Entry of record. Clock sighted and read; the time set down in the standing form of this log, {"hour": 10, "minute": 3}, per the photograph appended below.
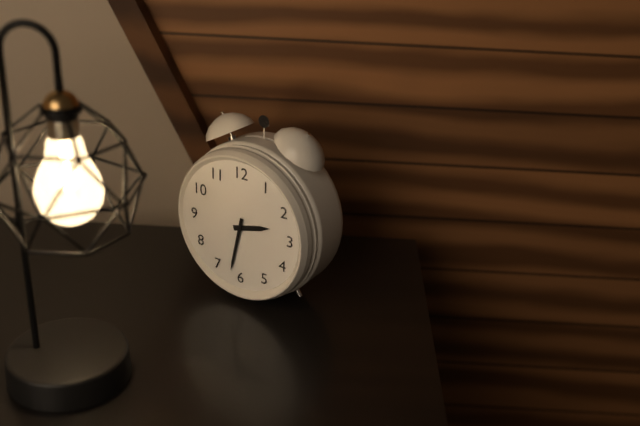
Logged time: {"hour": 2, "minute": 32}
